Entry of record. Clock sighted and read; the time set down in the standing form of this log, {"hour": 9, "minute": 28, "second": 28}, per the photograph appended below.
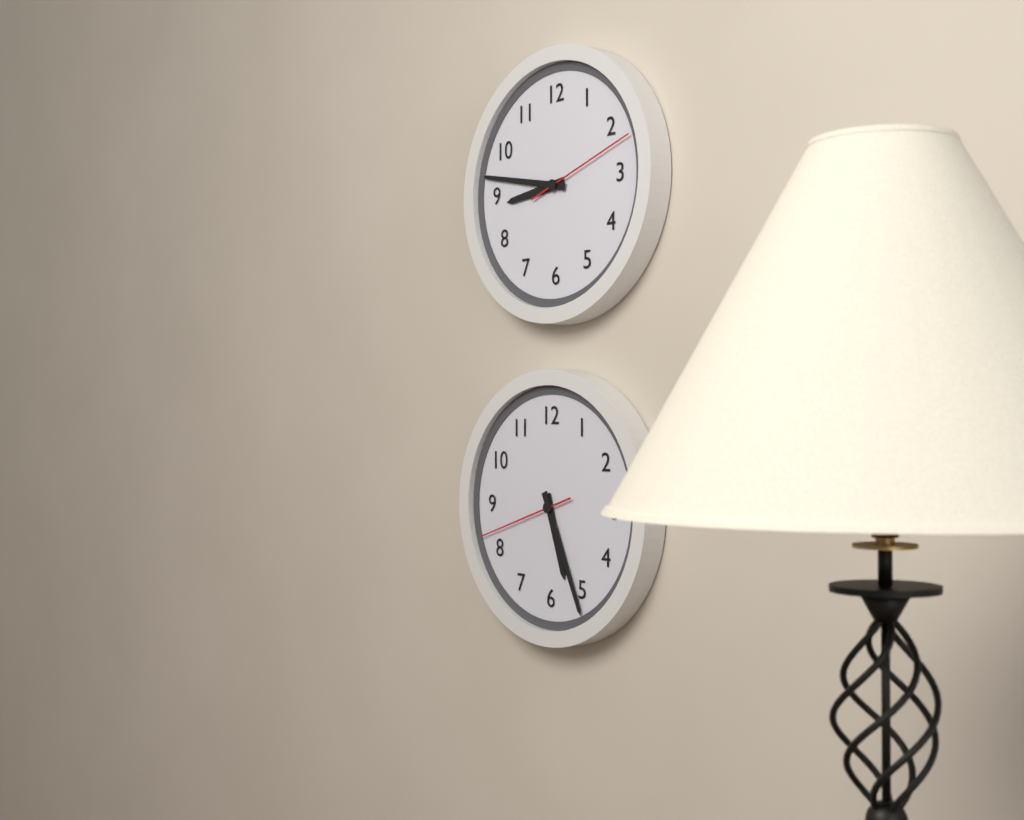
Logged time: {"hour": 5, "minute": 26, "second": 42}
